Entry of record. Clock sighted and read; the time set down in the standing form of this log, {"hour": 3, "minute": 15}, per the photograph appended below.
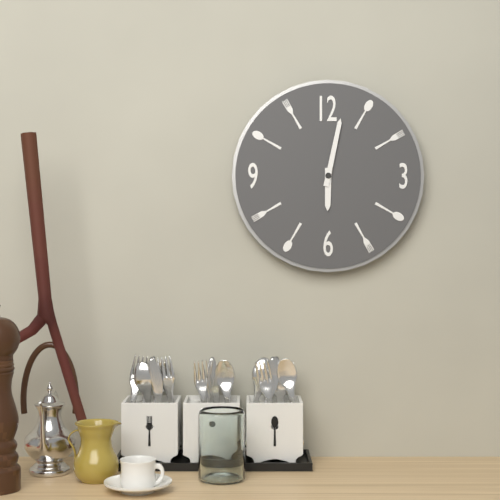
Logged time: {"hour": 6, "minute": 2}
